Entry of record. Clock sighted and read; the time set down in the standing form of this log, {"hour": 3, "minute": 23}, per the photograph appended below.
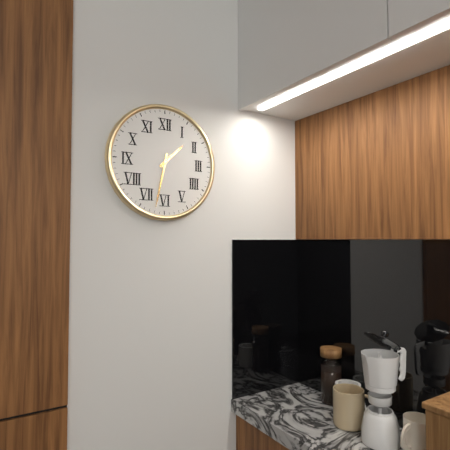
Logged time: {"hour": 1, "minute": 32}
